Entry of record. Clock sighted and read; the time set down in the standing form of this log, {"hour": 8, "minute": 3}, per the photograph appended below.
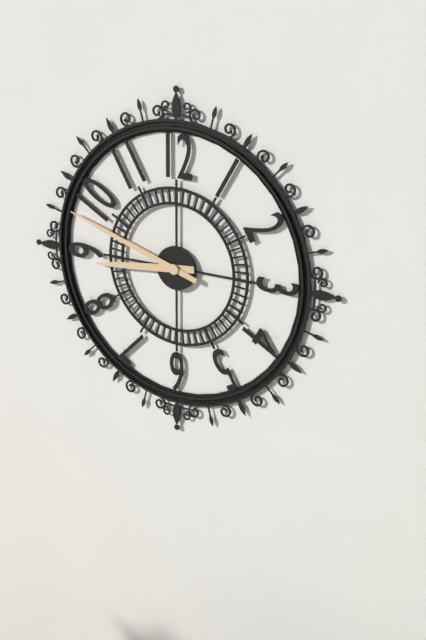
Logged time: {"hour": 8, "minute": 48}
